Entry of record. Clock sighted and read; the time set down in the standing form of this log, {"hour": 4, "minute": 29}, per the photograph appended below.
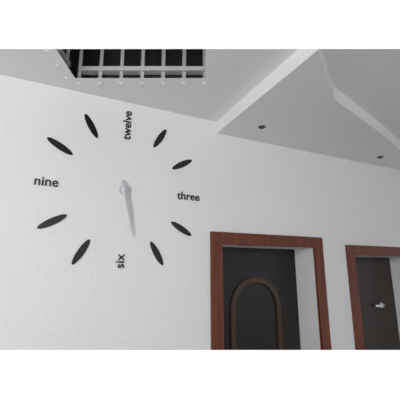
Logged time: {"hour": 5, "minute": 28}
